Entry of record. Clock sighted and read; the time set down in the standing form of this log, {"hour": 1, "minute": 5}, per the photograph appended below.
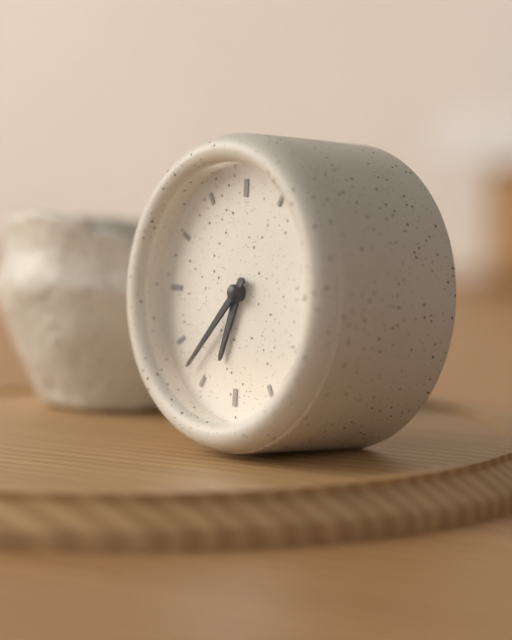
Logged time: {"hour": 6, "minute": 37}
